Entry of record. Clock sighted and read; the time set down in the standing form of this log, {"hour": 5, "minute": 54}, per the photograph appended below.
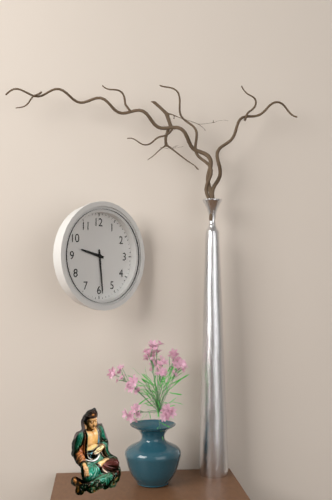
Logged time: {"hour": 9, "minute": 29}
